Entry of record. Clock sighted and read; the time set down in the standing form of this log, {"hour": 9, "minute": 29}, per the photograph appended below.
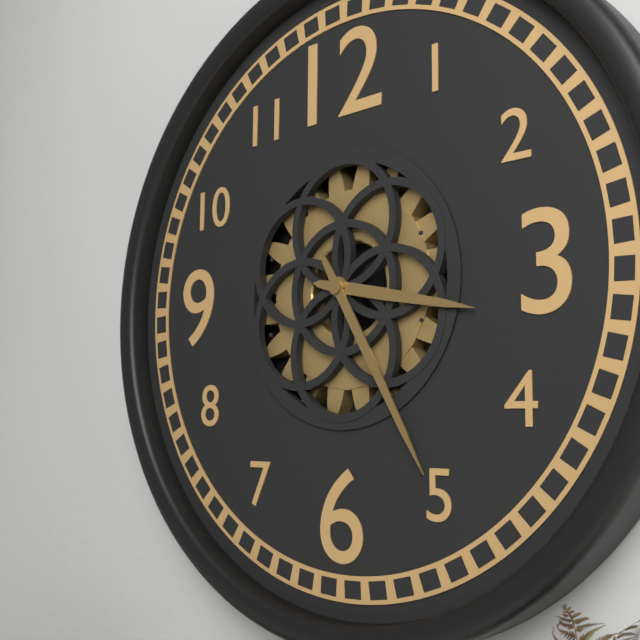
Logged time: {"hour": 3, "minute": 25}
